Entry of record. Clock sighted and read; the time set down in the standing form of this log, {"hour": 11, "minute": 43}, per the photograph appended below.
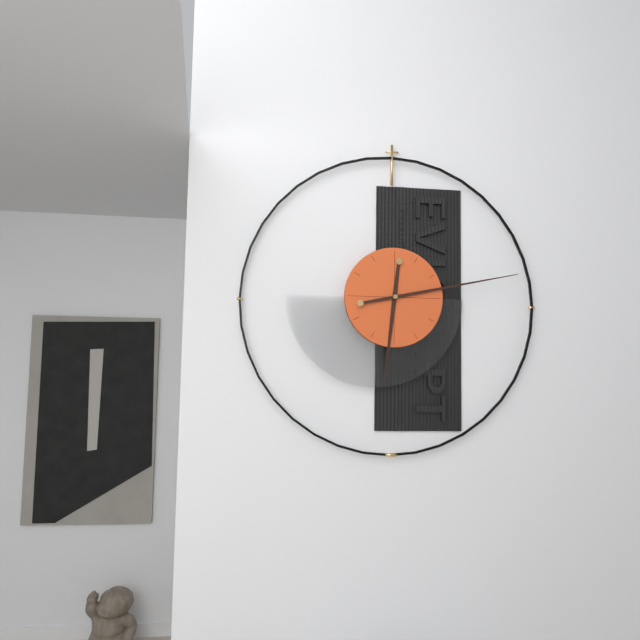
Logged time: {"hour": 6, "minute": 13}
